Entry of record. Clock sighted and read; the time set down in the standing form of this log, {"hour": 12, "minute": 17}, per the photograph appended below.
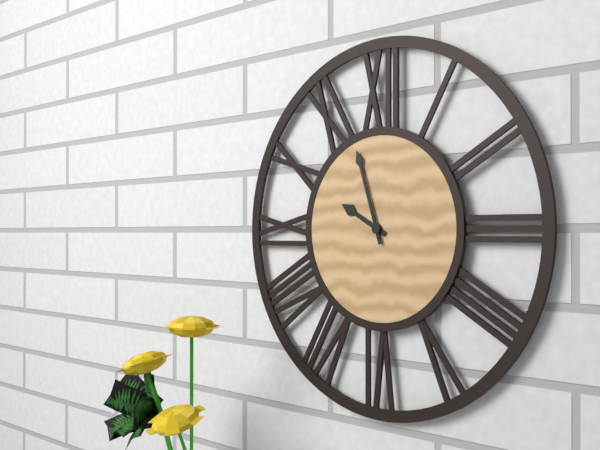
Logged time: {"hour": 9, "minute": 57}
